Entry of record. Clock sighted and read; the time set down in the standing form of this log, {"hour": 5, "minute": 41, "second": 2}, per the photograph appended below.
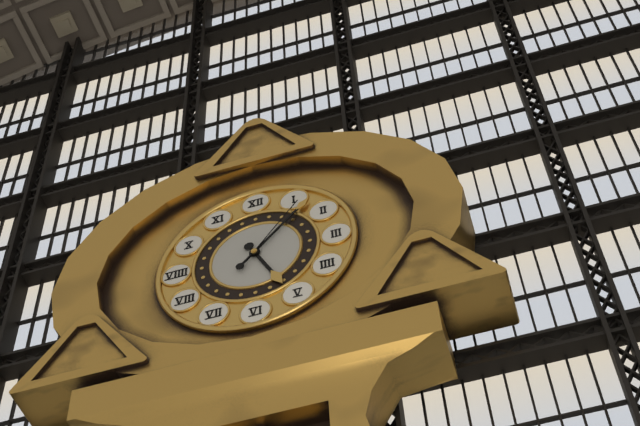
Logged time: {"hour": 5, "minute": 7, "second": 6}
